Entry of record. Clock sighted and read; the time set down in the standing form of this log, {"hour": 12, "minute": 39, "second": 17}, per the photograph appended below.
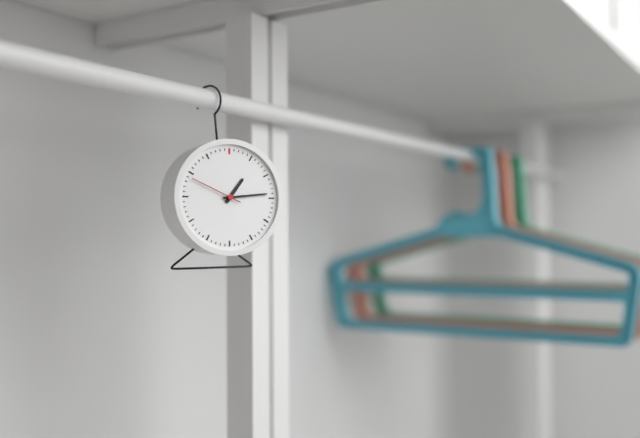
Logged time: {"hour": 1, "minute": 14, "second": 49}
